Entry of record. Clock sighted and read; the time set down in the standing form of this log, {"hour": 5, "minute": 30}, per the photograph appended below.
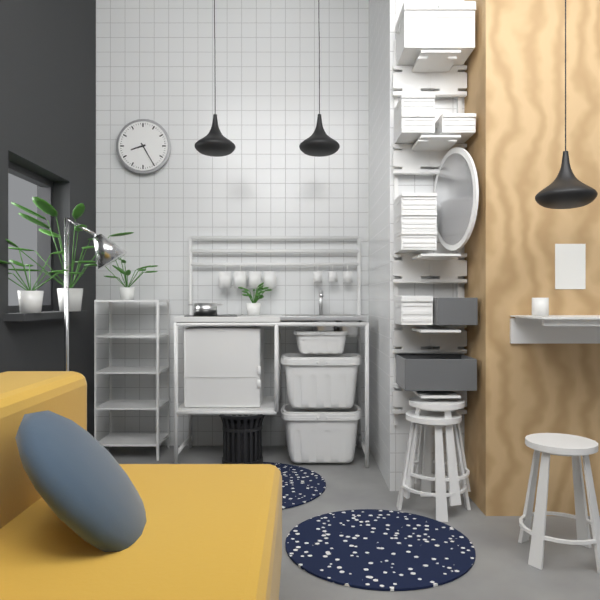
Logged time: {"hour": 8, "minute": 25}
